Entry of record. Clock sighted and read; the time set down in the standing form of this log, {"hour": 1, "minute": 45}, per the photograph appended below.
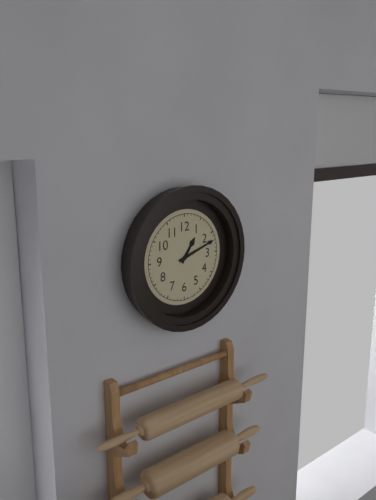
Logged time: {"hour": 1, "minute": 12}
